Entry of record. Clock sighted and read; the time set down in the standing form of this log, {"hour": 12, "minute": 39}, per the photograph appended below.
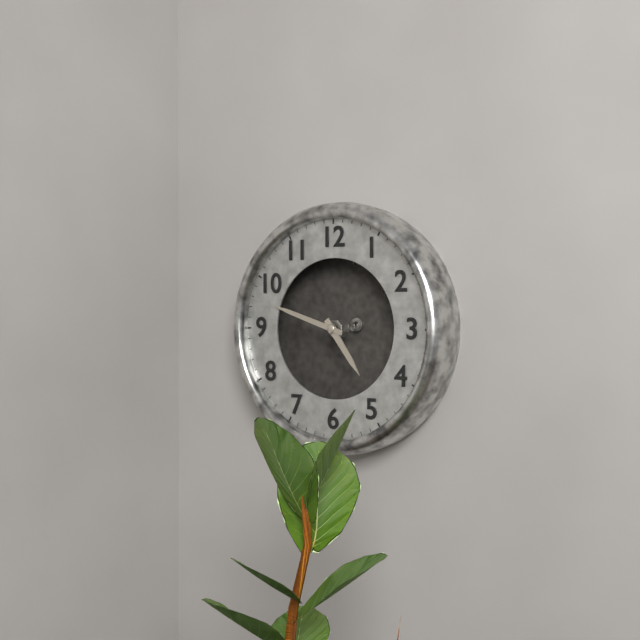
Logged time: {"hour": 4, "minute": 48}
